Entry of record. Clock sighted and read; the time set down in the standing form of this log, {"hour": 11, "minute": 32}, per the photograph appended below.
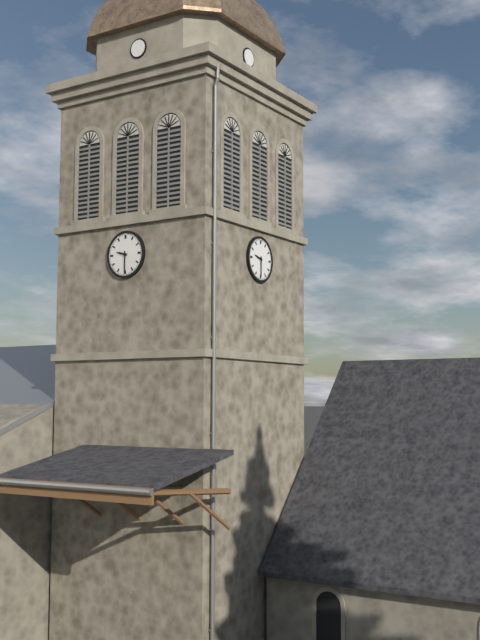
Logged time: {"hour": 9, "minute": 30}
